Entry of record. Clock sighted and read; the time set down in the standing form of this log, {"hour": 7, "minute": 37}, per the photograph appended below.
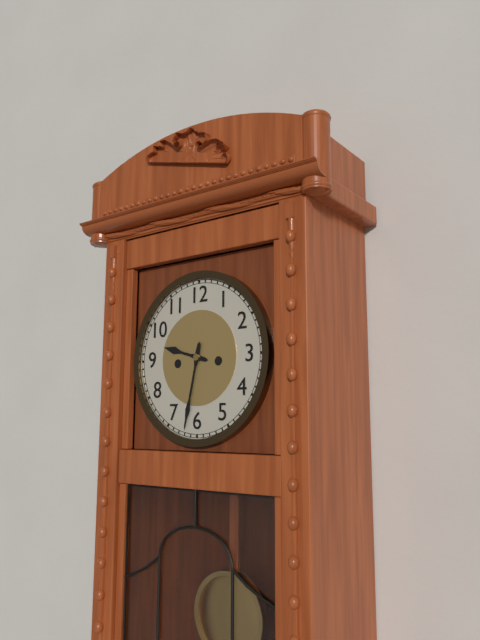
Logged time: {"hour": 9, "minute": 32}
